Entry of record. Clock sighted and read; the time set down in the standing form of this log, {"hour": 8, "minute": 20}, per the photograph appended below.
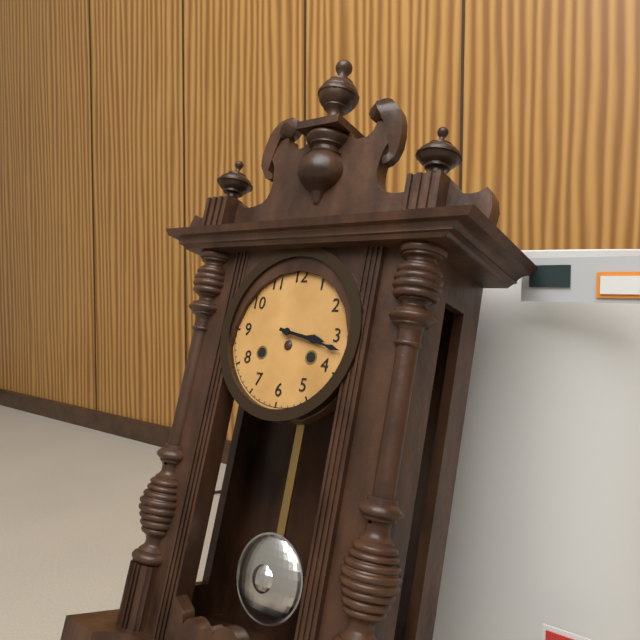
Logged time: {"hour": 3, "minute": 17}
